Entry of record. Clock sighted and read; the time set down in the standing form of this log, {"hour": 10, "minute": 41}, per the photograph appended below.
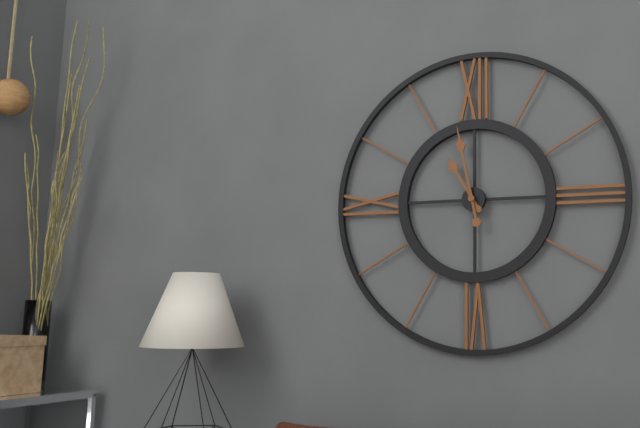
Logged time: {"hour": 10, "minute": 58}
